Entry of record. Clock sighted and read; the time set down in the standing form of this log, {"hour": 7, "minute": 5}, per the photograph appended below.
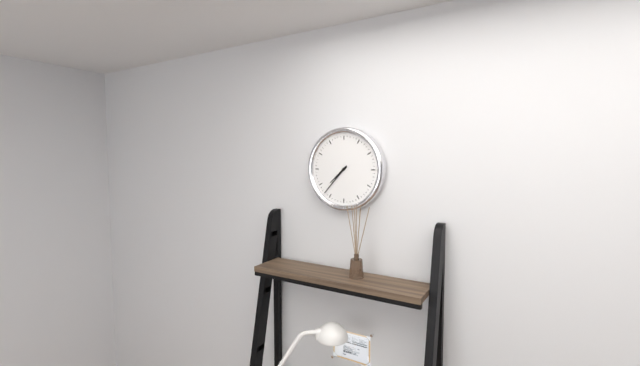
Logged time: {"hour": 7, "minute": 37}
